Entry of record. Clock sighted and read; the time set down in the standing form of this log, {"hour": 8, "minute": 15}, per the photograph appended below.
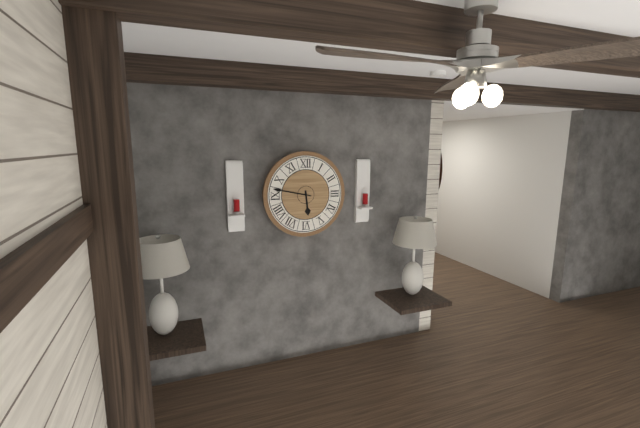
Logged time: {"hour": 5, "minute": 47}
